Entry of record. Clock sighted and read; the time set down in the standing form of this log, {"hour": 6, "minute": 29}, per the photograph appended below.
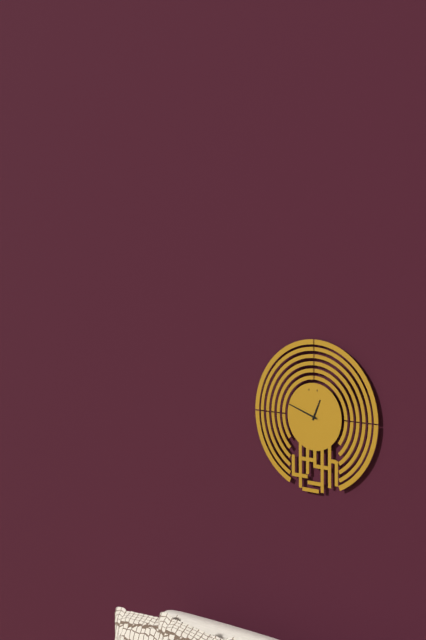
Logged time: {"hour": 12, "minute": 48}
